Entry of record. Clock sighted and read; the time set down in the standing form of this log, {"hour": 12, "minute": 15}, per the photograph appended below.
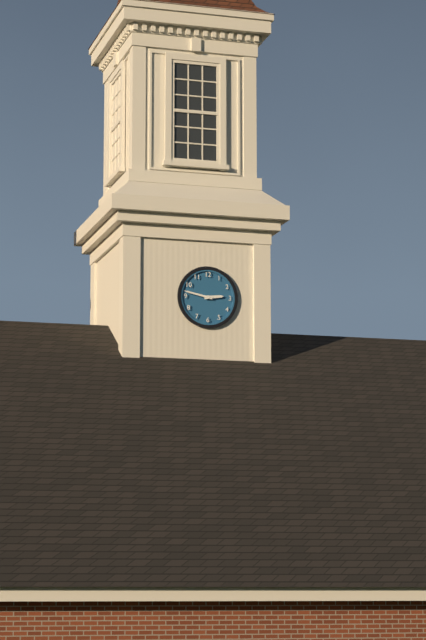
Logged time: {"hour": 2, "minute": 47}
